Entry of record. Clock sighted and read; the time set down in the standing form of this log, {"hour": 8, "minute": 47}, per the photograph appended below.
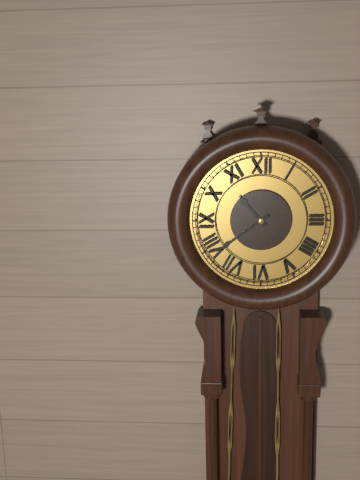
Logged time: {"hour": 10, "minute": 39}
